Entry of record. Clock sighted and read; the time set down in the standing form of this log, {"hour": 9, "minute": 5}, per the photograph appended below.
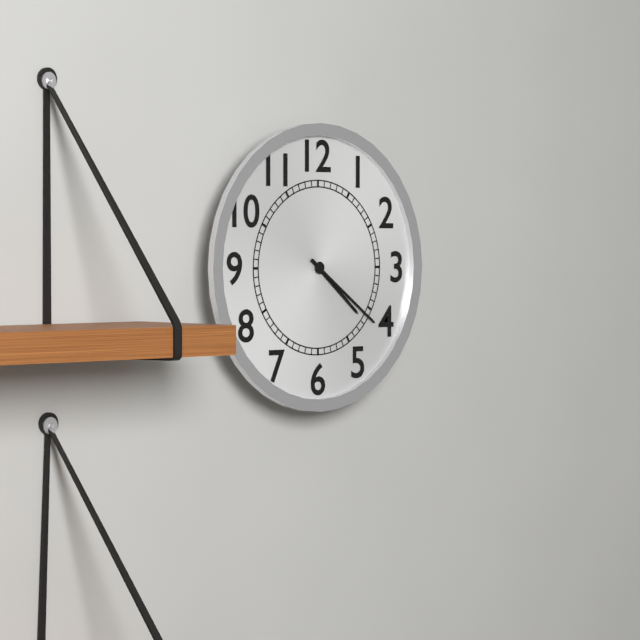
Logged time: {"hour": 4, "minute": 21}
